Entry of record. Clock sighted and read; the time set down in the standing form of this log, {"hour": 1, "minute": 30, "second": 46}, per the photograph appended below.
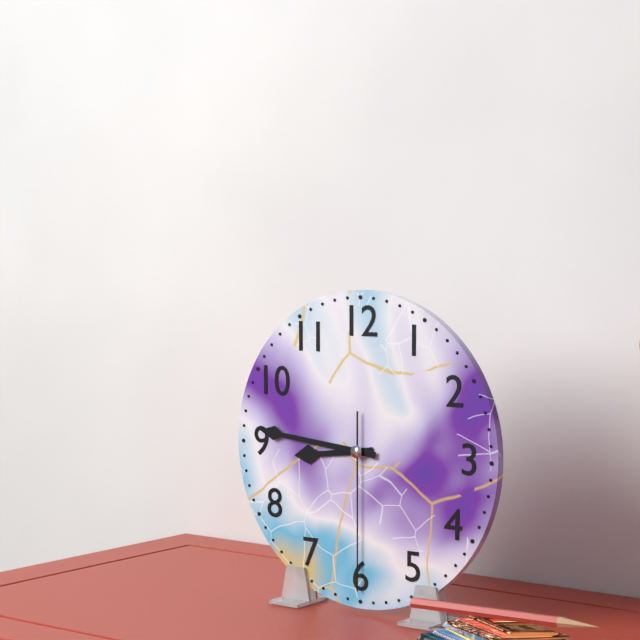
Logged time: {"hour": 8, "minute": 46, "second": 30}
